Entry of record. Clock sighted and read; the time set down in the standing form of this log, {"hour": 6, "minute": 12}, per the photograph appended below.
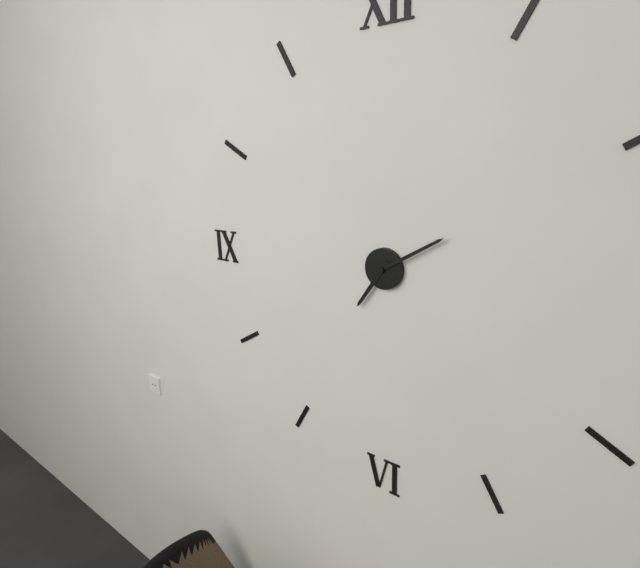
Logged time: {"hour": 7, "minute": 10}
